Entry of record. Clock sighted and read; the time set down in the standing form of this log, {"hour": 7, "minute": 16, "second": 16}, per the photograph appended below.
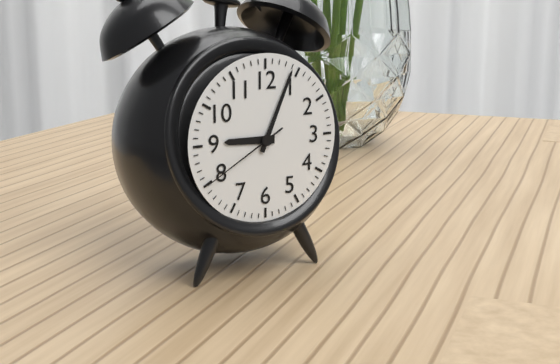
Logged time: {"hour": 9, "minute": 4, "second": 40}
